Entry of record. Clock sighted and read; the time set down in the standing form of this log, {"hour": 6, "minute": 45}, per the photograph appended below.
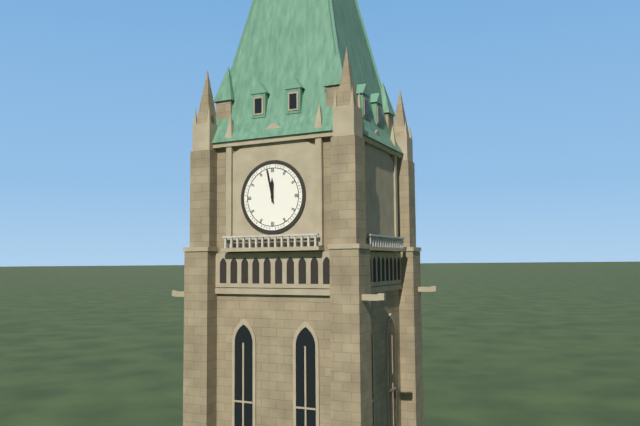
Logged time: {"hour": 11, "minute": 58}
